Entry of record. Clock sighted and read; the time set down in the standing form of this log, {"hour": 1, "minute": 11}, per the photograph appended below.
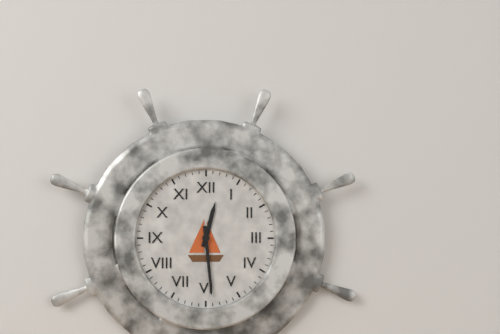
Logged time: {"hour": 12, "minute": 29}
